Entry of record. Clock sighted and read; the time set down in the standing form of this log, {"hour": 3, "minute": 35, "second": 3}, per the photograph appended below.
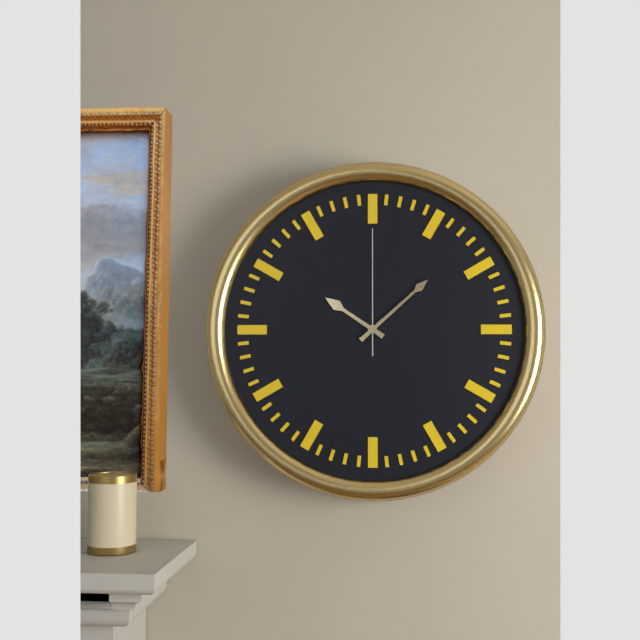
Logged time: {"hour": 10, "minute": 8, "second": 0}
